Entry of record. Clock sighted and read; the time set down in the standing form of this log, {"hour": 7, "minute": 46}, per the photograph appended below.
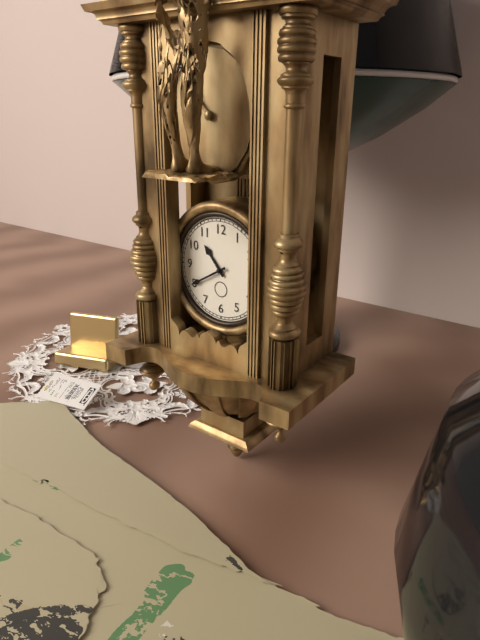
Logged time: {"hour": 10, "minute": 40}
